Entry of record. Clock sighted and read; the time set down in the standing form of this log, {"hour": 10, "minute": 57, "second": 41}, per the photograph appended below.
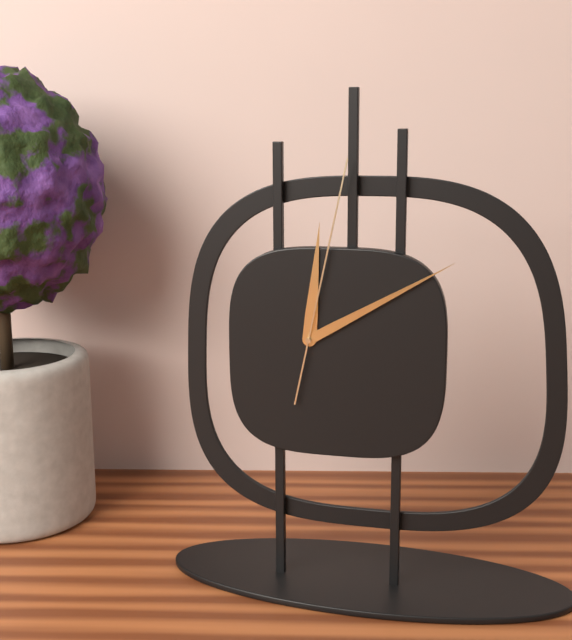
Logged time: {"hour": 12, "minute": 10, "second": 2}
